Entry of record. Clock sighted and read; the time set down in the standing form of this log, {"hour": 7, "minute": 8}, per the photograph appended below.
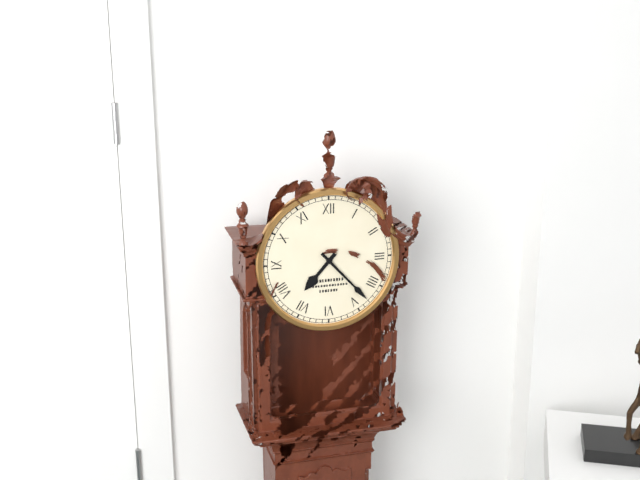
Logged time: {"hour": 7, "minute": 23}
